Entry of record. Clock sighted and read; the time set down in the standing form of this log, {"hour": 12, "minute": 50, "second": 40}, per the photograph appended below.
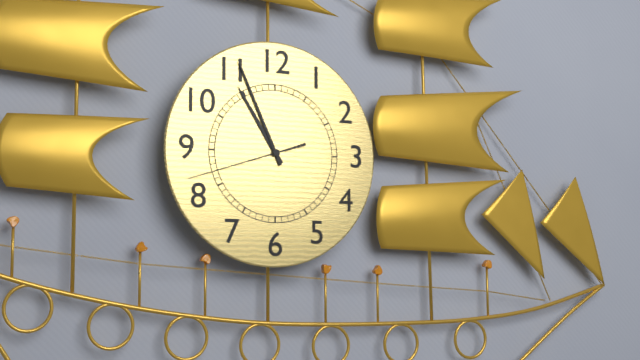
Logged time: {"hour": 10, "minute": 56, "second": 42}
